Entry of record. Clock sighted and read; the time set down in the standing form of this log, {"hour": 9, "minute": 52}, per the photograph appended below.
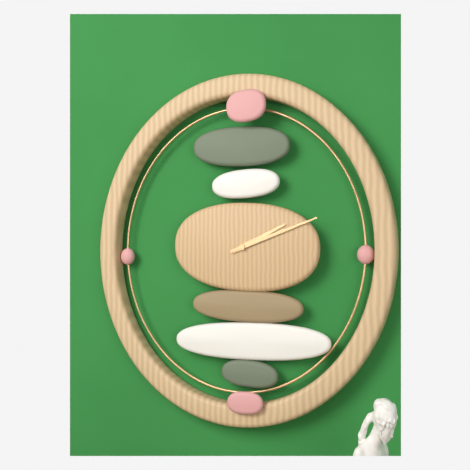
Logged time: {"hour": 2, "minute": 12}
